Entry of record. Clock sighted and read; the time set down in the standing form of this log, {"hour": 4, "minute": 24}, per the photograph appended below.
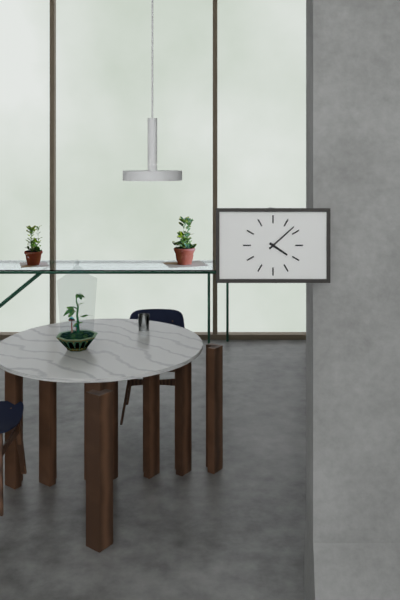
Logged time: {"hour": 4, "minute": 8}
